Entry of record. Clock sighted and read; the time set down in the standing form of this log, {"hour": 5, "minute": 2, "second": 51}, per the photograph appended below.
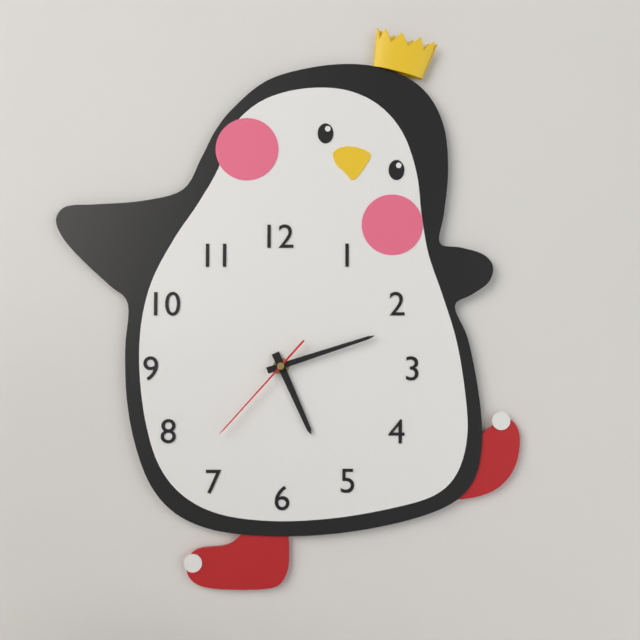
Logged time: {"hour": 5, "minute": 12, "second": 37}
